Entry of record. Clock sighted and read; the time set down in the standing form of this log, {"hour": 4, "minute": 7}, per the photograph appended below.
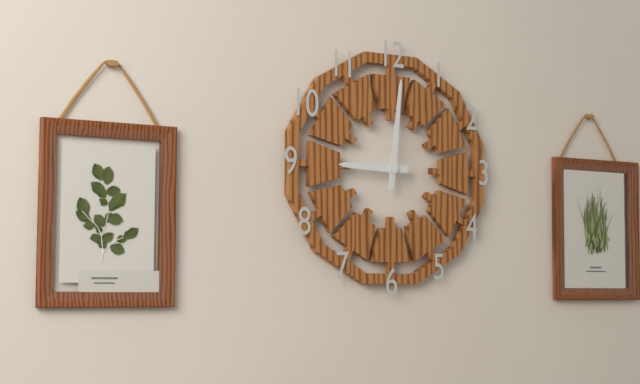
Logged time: {"hour": 9, "minute": 1}
